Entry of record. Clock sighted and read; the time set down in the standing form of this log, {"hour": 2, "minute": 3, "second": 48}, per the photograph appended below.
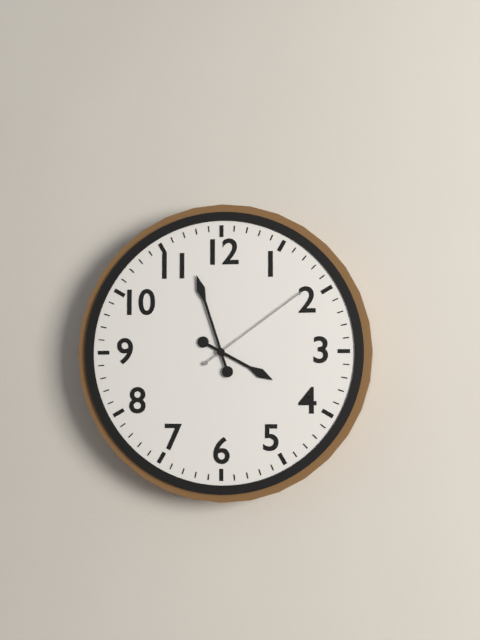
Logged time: {"hour": 3, "minute": 57, "second": 9}
